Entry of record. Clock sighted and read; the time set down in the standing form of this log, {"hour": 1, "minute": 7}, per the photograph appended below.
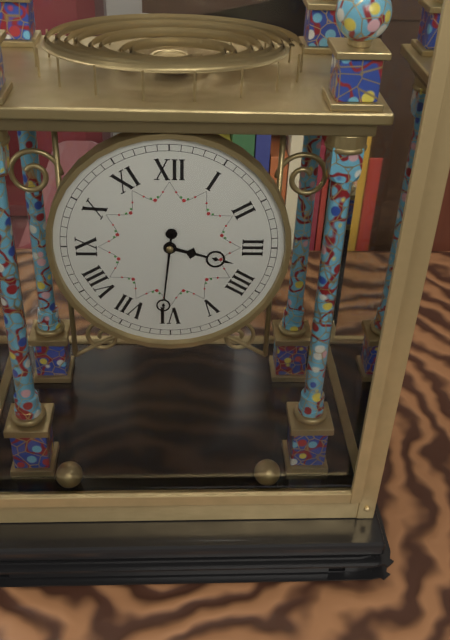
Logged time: {"hour": 3, "minute": 31}
